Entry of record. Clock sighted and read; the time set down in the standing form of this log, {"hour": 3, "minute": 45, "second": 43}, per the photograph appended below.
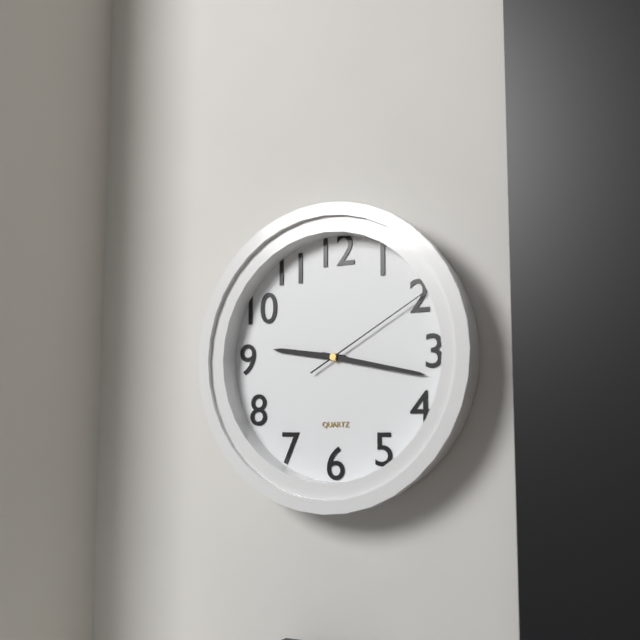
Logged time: {"hour": 9, "minute": 17, "second": 10}
